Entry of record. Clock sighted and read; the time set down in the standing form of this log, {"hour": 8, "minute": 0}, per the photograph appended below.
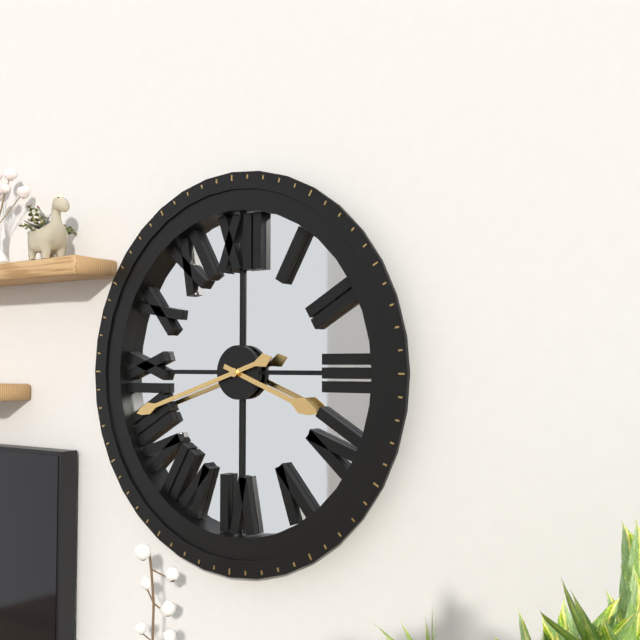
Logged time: {"hour": 3, "minute": 42}
